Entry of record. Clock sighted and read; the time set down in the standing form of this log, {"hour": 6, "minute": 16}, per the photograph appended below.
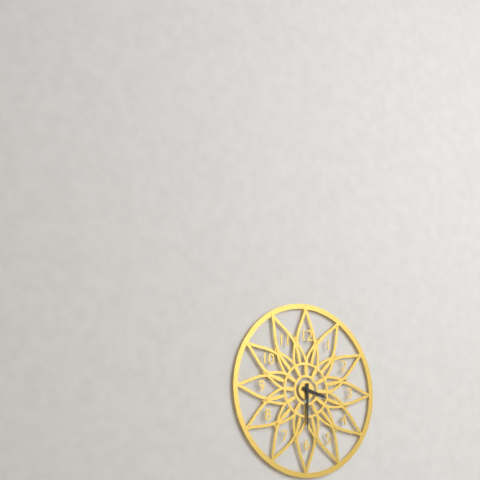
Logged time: {"hour": 3, "minute": 30}
